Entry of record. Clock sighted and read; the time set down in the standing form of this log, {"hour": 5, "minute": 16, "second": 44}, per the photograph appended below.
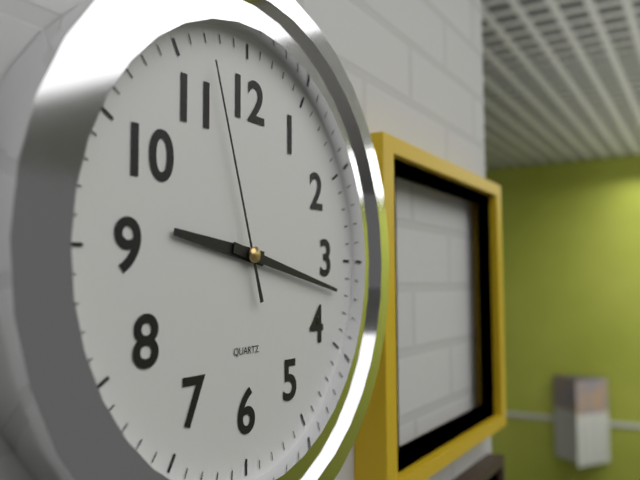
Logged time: {"hour": 9, "minute": 17, "second": 57}
